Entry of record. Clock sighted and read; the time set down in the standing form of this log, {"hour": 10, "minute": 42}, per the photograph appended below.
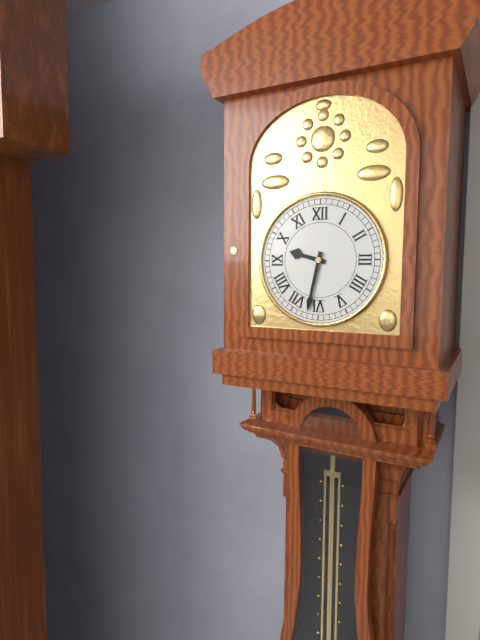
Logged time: {"hour": 9, "minute": 32}
